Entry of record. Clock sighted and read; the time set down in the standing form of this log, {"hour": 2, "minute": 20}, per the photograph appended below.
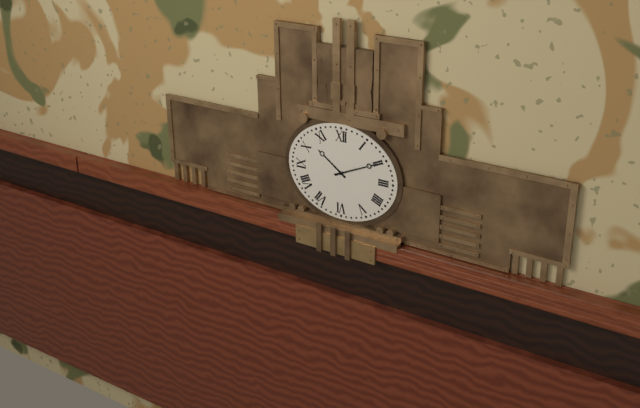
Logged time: {"hour": 10, "minute": 11}
